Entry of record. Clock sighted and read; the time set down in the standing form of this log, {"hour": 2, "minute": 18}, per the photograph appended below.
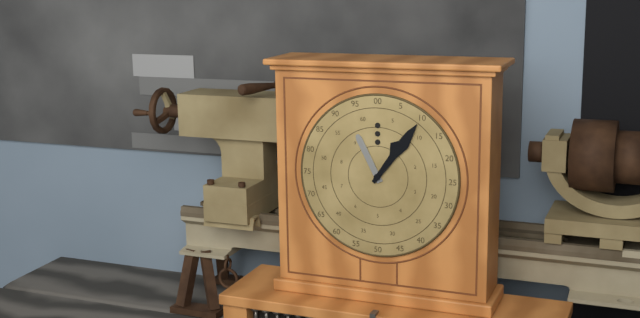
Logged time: {"hour": 11, "minute": 6}
